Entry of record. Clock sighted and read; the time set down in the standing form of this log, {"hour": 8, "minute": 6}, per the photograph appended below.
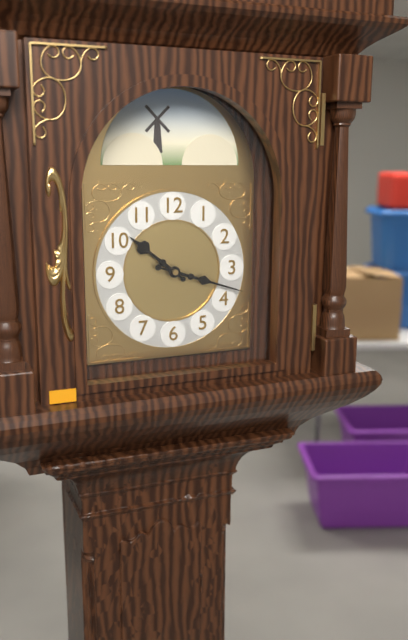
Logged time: {"hour": 10, "minute": 18}
